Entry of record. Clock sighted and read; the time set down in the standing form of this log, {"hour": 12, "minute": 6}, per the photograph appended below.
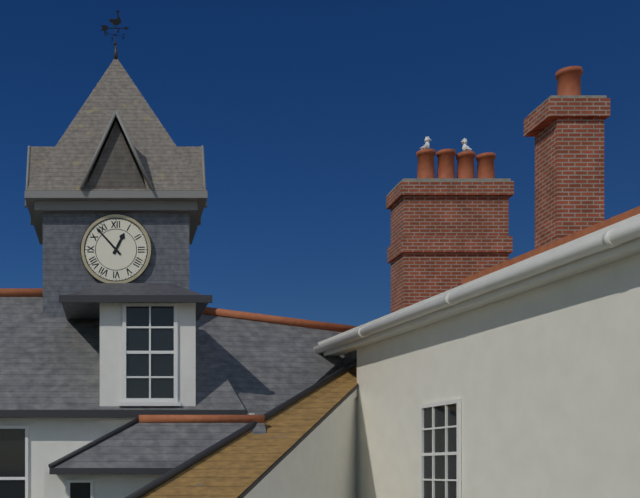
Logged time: {"hour": 12, "minute": 53}
